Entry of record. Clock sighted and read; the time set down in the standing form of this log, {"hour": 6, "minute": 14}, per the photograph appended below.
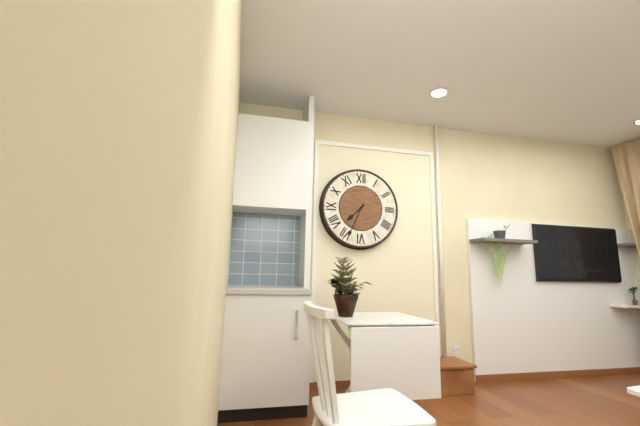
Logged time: {"hour": 7, "minute": 34}
